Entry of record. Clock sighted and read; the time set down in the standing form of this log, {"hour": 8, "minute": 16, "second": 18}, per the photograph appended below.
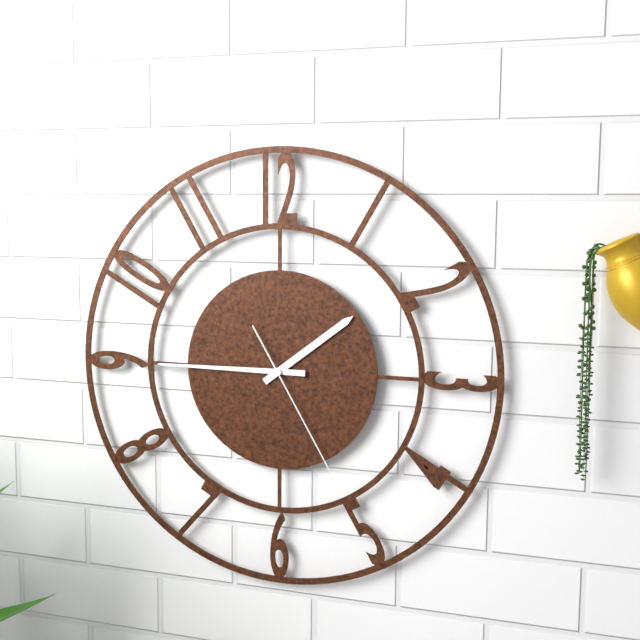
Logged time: {"hour": 1, "minute": 45, "second": 25}
